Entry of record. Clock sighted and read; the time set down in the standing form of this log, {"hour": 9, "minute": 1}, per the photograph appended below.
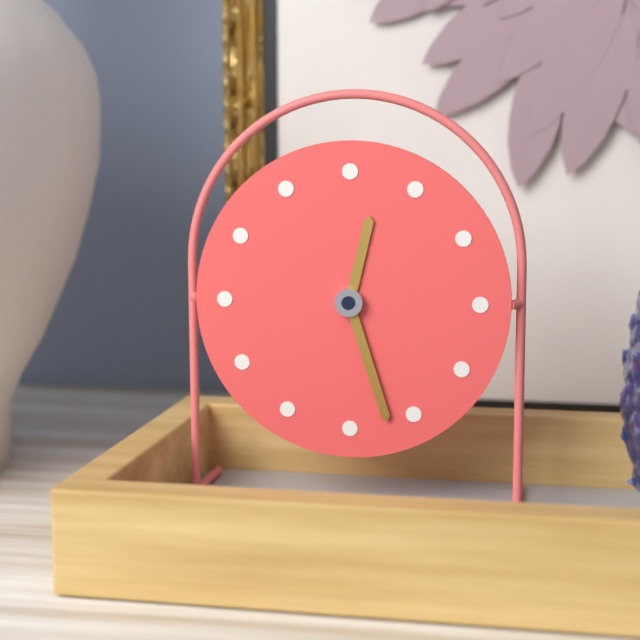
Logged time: {"hour": 12, "minute": 27}
